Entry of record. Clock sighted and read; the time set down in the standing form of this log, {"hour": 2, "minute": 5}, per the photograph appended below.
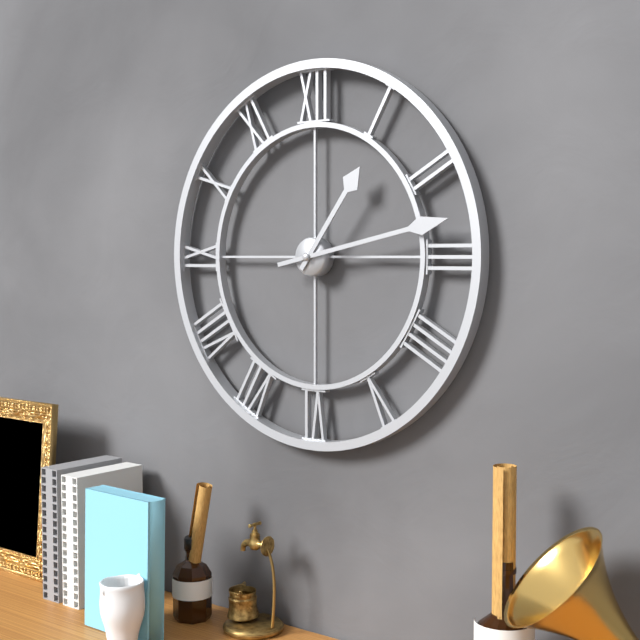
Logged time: {"hour": 1, "minute": 13}
